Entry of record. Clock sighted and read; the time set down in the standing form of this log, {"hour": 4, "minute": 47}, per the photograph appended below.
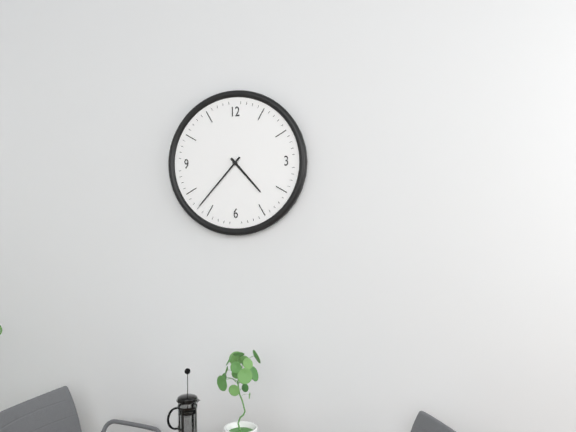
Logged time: {"hour": 4, "minute": 37}
